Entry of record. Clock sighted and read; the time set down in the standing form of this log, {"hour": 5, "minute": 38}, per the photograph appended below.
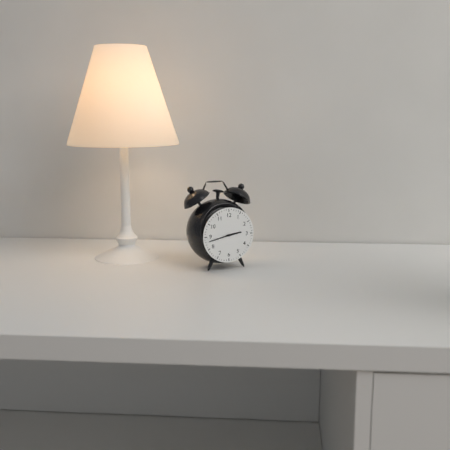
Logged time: {"hour": 2, "minute": 43}
